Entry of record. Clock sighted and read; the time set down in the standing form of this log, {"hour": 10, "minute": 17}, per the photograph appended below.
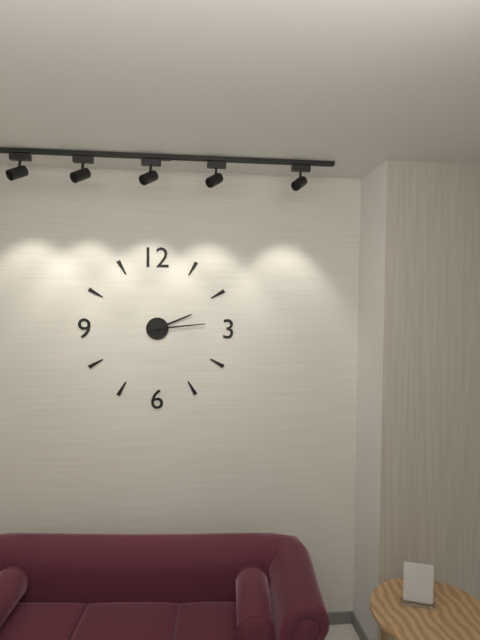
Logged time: {"hour": 2, "minute": 14}
